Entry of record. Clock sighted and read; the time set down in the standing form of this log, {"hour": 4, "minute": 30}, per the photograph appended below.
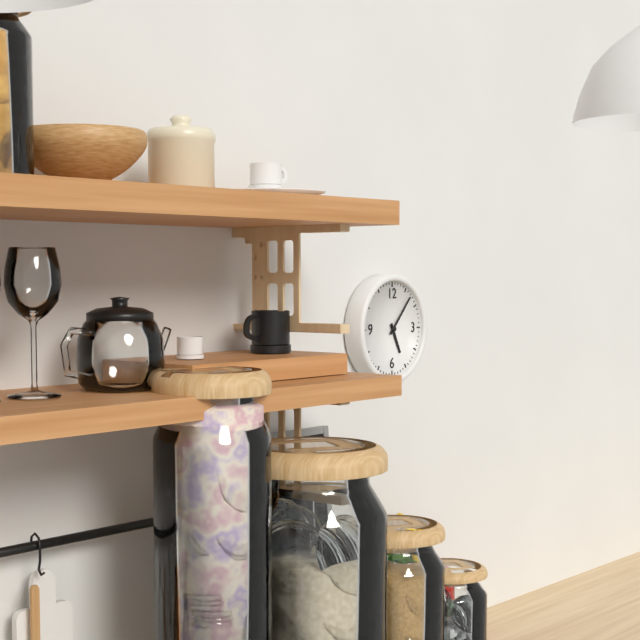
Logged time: {"hour": 5, "minute": 7}
